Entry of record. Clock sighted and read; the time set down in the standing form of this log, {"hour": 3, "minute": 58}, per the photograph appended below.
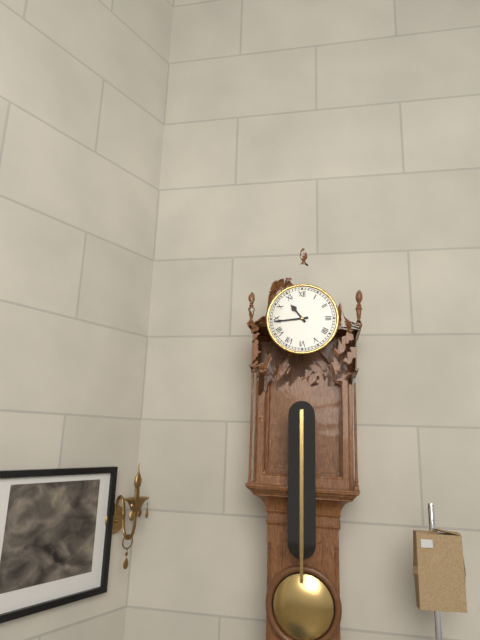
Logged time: {"hour": 10, "minute": 44}
